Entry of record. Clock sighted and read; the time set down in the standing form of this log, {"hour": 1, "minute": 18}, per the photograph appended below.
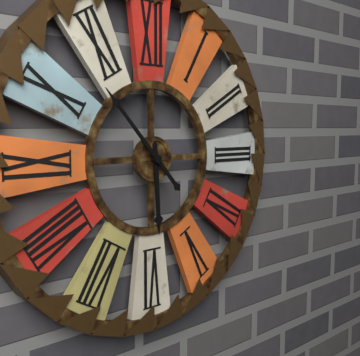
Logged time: {"hour": 5, "minute": 53}
